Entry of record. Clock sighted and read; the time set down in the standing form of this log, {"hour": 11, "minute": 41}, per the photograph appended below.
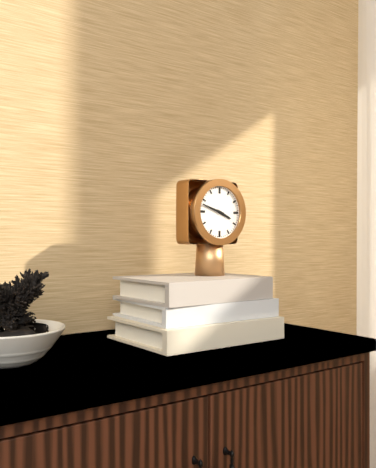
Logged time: {"hour": 3, "minute": 48}
